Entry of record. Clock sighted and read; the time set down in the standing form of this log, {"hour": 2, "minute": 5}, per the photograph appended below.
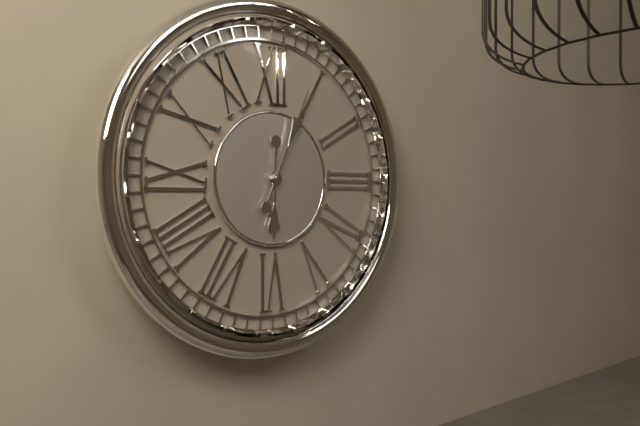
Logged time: {"hour": 6, "minute": 4}
